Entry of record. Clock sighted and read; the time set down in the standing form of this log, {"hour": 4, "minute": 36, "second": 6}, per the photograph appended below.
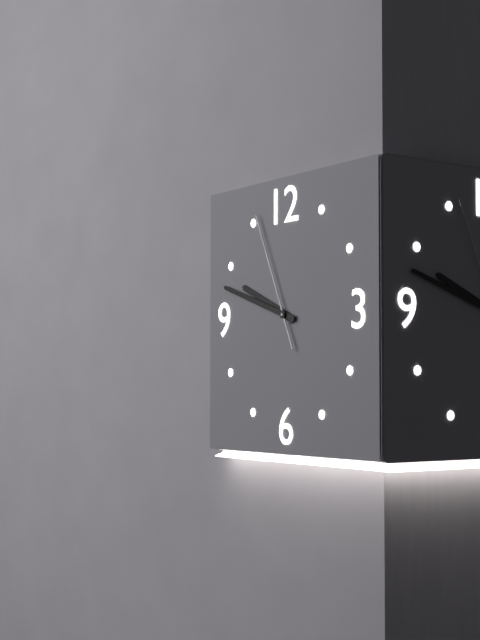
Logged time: {"hour": 9, "minute": 48, "second": 56}
